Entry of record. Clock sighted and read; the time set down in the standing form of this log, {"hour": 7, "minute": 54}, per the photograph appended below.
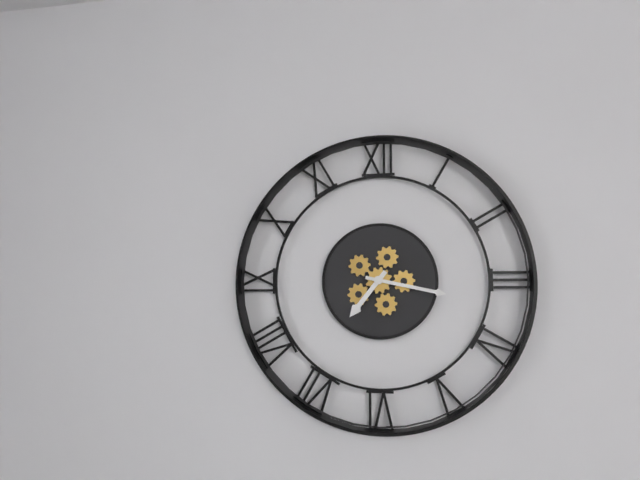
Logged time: {"hour": 7, "minute": 17}
